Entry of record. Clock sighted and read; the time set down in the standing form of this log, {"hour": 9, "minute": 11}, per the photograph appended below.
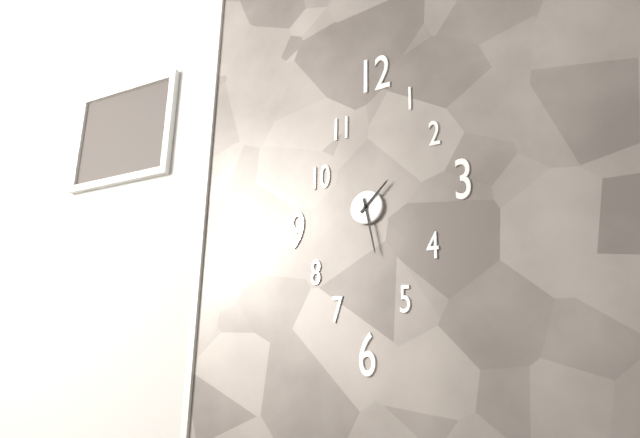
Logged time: {"hour": 1, "minute": 28}
